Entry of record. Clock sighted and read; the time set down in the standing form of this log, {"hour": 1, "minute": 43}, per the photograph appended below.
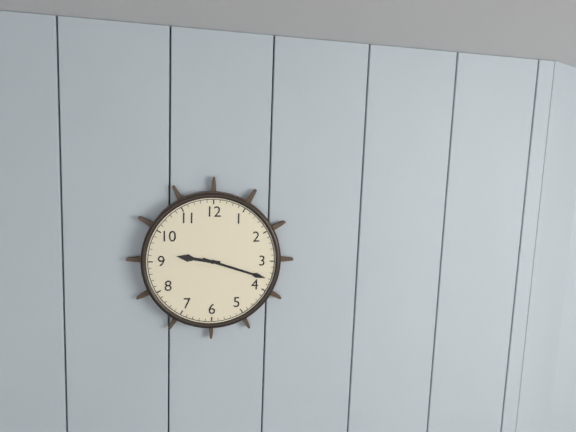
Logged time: {"hour": 9, "minute": 18}
